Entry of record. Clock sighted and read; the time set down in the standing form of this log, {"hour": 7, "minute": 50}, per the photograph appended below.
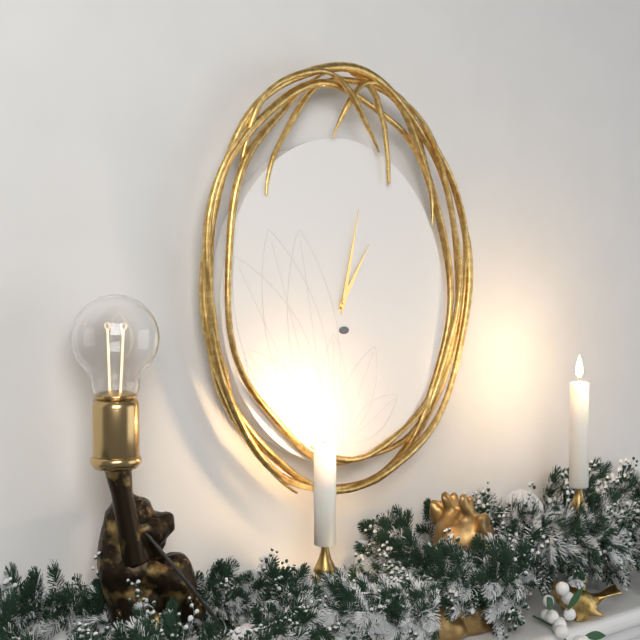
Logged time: {"hour": 1, "minute": 2}
